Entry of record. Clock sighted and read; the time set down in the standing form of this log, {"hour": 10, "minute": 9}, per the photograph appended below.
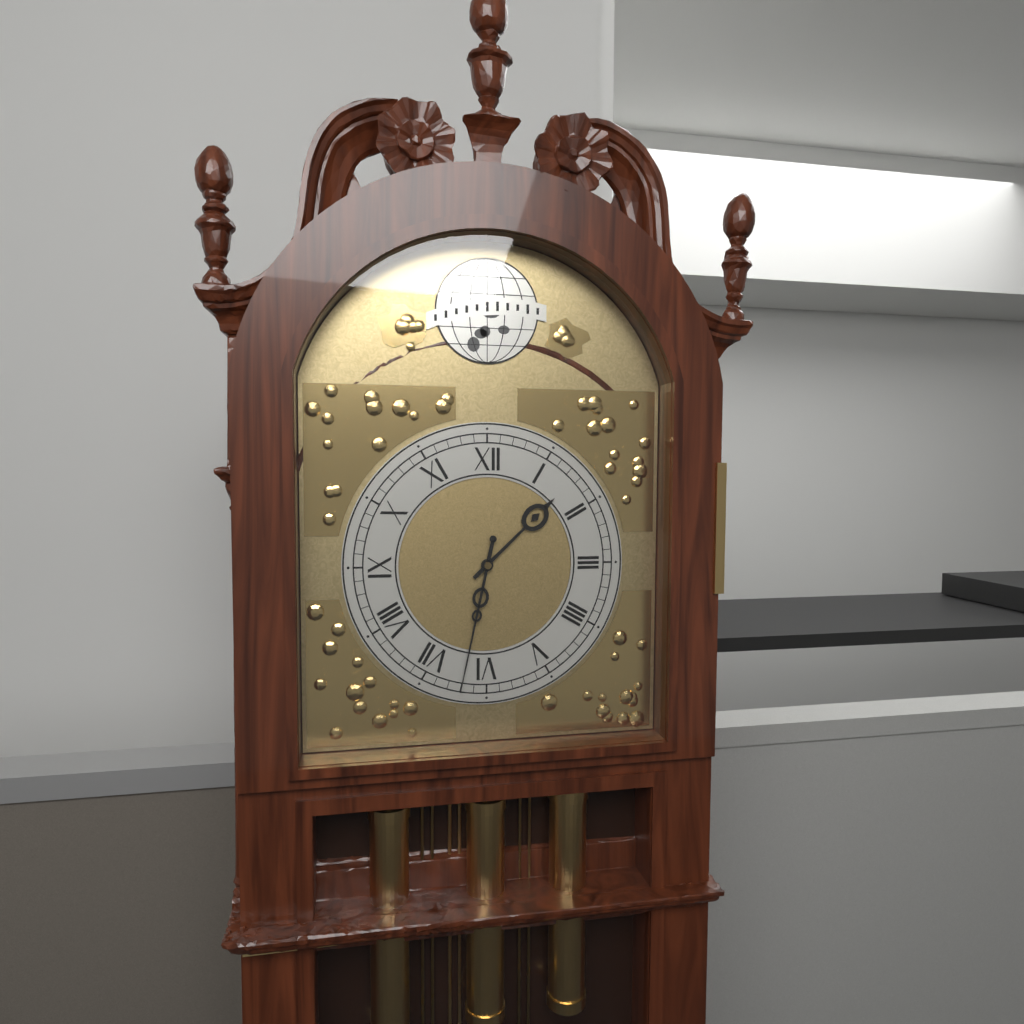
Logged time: {"hour": 1, "minute": 32}
